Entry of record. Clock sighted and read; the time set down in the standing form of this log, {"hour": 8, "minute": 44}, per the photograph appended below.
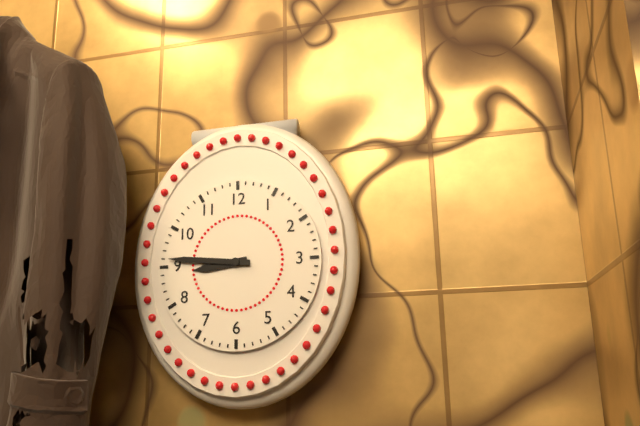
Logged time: {"hour": 8, "minute": 46}
